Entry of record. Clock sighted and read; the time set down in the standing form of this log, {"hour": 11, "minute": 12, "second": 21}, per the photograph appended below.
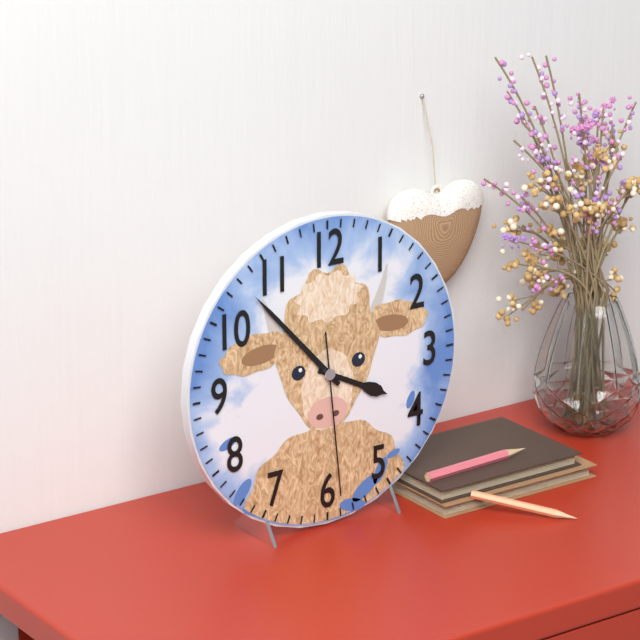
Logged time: {"hour": 3, "minute": 53, "second": 29}
